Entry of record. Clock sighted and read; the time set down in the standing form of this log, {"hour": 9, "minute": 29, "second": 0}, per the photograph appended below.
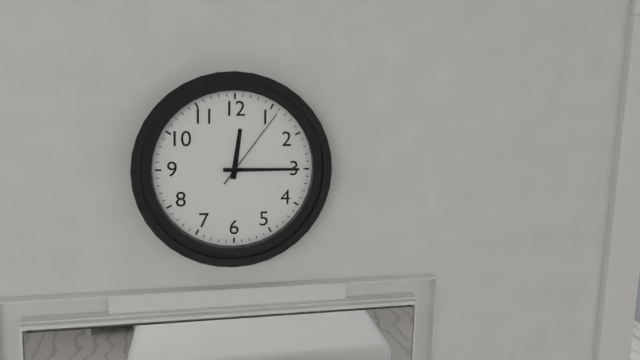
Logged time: {"hour": 12, "minute": 15, "second": 6}
